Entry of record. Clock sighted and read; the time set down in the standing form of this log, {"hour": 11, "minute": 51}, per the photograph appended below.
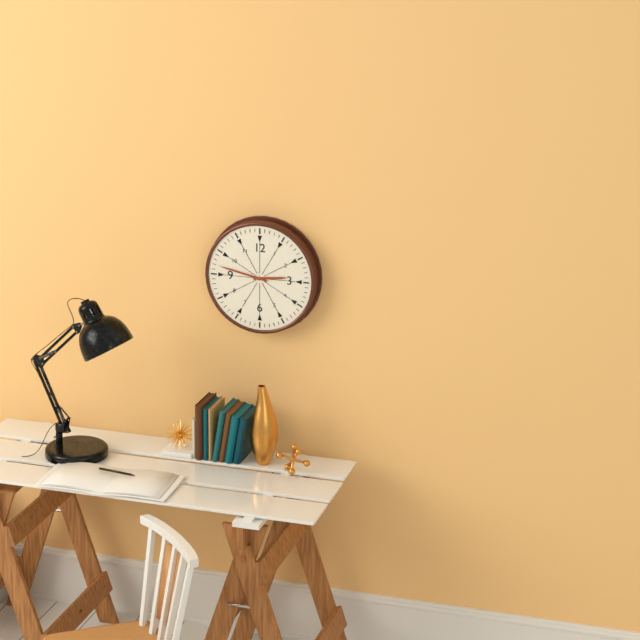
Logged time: {"hour": 2, "minute": 47}
